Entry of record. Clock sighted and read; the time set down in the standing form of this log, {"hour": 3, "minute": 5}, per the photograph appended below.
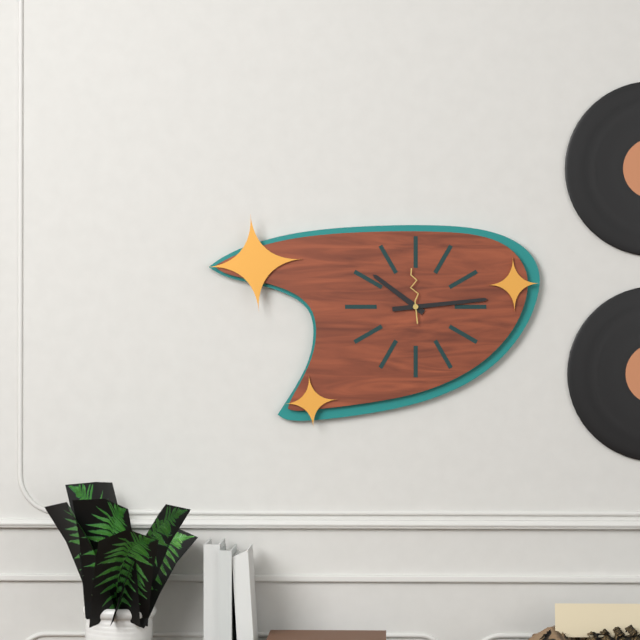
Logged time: {"hour": 10, "minute": 14}
